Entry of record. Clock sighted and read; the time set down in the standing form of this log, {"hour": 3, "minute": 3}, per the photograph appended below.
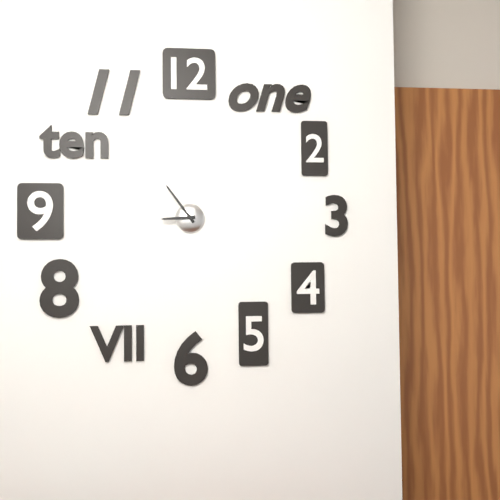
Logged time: {"hour": 8, "minute": 54}
